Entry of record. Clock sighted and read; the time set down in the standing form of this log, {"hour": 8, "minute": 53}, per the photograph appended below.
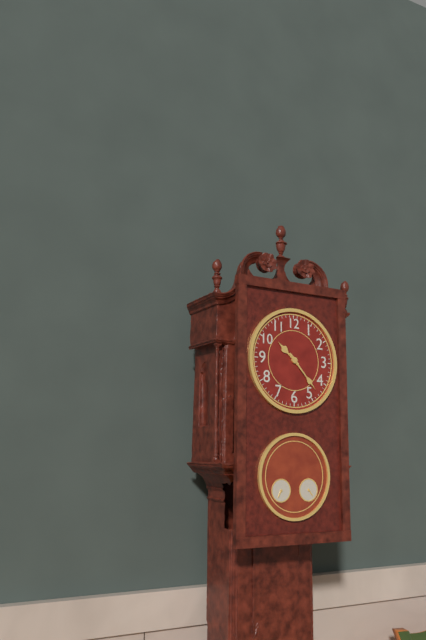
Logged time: {"hour": 10, "minute": 23}
